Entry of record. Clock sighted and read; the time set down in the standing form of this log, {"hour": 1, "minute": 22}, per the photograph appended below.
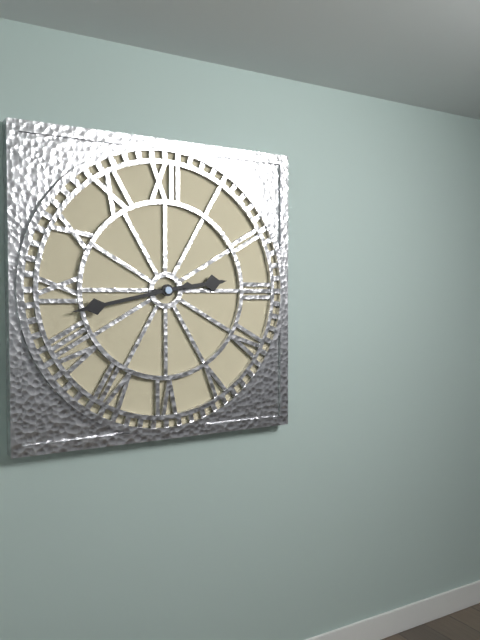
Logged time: {"hour": 2, "minute": 43}
